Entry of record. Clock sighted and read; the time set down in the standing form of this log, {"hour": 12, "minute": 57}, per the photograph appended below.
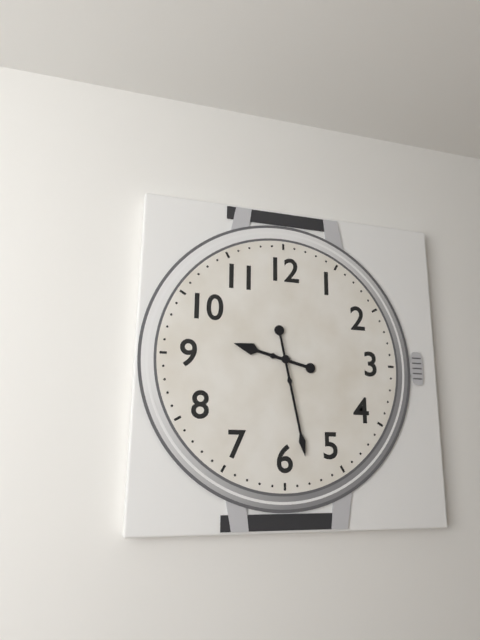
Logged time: {"hour": 9, "minute": 28}
